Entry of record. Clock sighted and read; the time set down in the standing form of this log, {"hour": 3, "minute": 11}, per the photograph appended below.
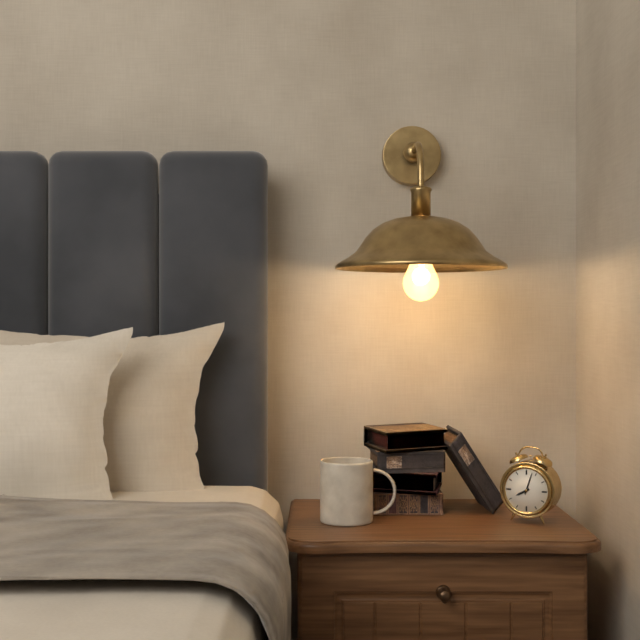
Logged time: {"hour": 8, "minute": 3}
